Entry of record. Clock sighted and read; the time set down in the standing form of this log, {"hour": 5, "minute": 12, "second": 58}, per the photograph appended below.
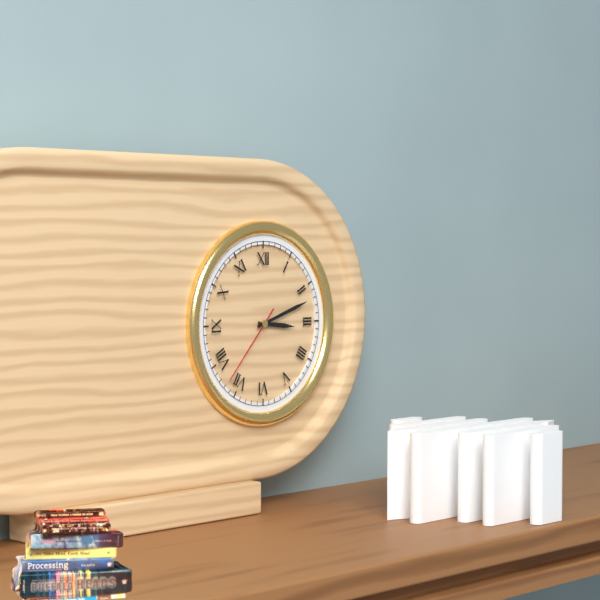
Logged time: {"hour": 3, "minute": 12, "second": 37}
